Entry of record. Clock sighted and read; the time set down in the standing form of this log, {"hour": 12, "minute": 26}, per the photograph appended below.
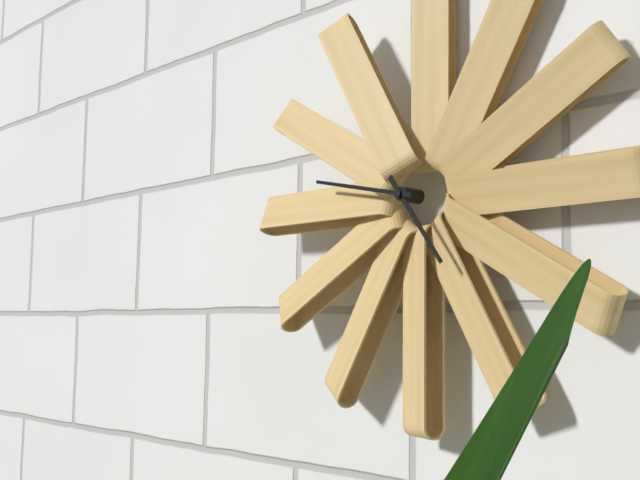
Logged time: {"hour": 4, "minute": 47}
